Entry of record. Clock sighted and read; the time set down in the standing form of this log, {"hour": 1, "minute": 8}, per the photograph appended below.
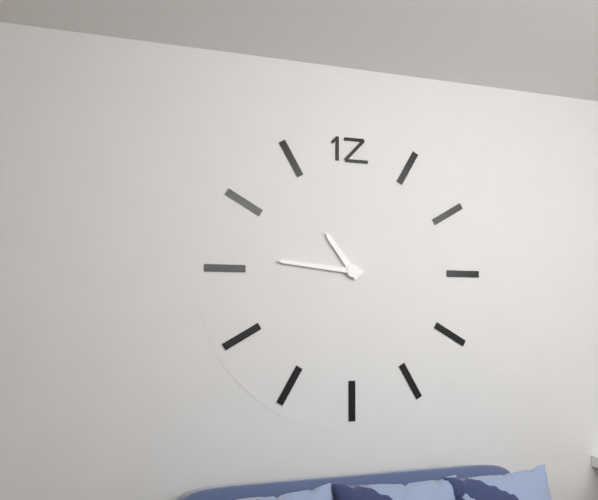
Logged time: {"hour": 10, "minute": 46}
